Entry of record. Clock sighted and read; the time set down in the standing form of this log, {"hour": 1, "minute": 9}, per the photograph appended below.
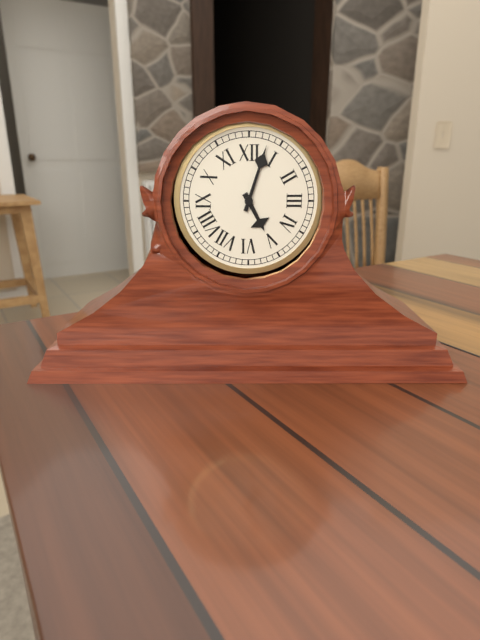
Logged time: {"hour": 5, "minute": 3}
